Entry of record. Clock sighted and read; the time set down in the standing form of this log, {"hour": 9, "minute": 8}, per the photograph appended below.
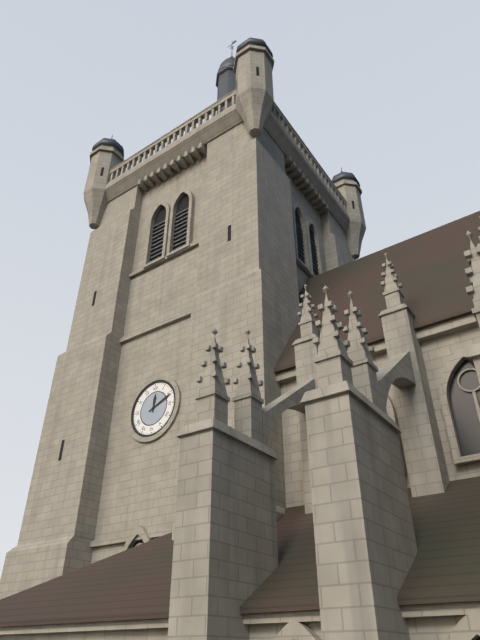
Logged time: {"hour": 12, "minute": 11}
